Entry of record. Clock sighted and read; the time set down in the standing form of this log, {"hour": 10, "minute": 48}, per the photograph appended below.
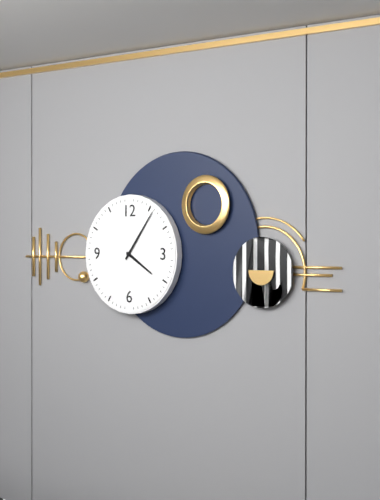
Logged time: {"hour": 4, "minute": 6}
